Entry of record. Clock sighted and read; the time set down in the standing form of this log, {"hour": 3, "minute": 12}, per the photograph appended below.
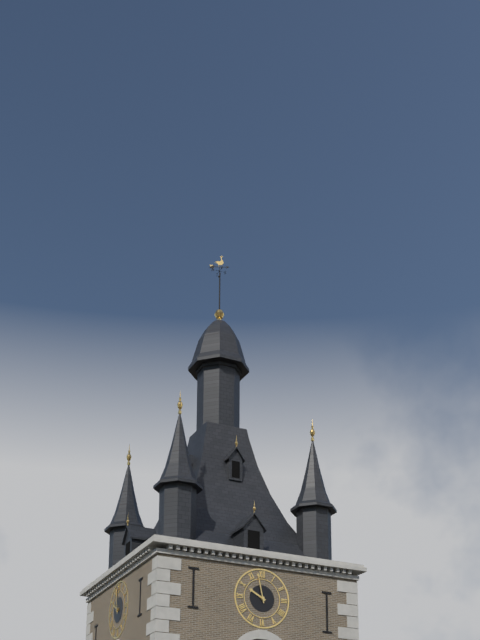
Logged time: {"hour": 9, "minute": 58}
